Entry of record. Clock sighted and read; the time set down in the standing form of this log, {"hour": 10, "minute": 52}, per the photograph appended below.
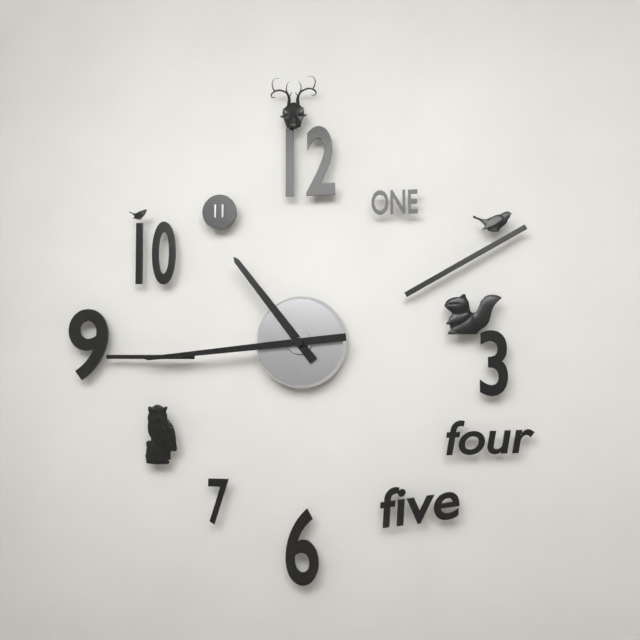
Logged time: {"hour": 10, "minute": 44}
